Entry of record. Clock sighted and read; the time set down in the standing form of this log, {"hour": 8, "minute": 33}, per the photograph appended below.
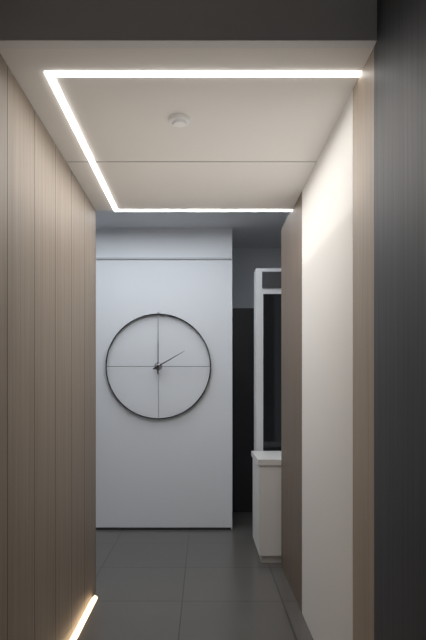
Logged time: {"hour": 2, "minute": 0}
